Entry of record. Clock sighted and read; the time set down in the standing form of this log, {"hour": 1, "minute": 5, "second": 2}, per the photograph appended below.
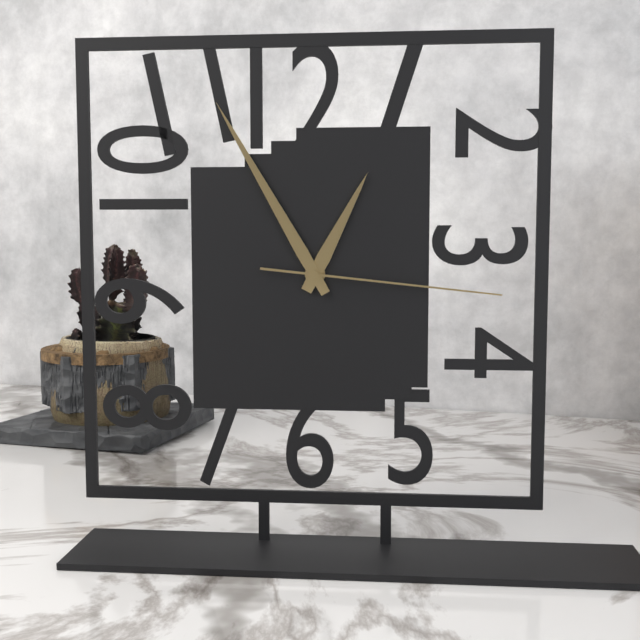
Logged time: {"hour": 12, "minute": 55, "second": 16}
